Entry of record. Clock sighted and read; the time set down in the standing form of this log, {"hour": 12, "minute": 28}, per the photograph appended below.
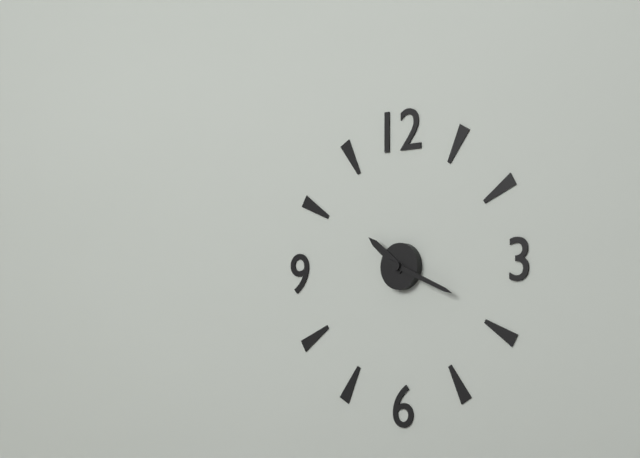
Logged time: {"hour": 10, "minute": 19}
